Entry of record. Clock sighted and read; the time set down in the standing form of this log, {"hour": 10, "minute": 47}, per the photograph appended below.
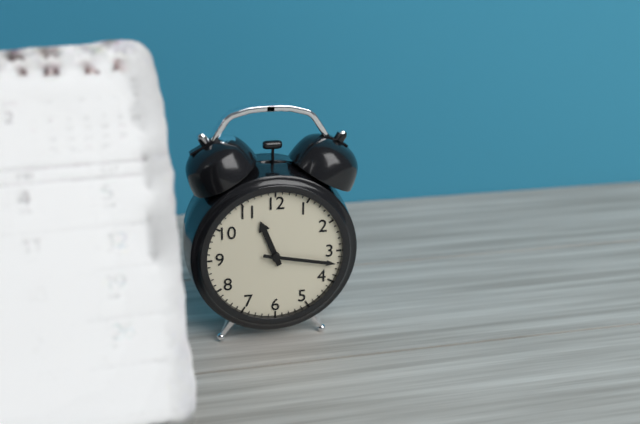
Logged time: {"hour": 11, "minute": 17}
